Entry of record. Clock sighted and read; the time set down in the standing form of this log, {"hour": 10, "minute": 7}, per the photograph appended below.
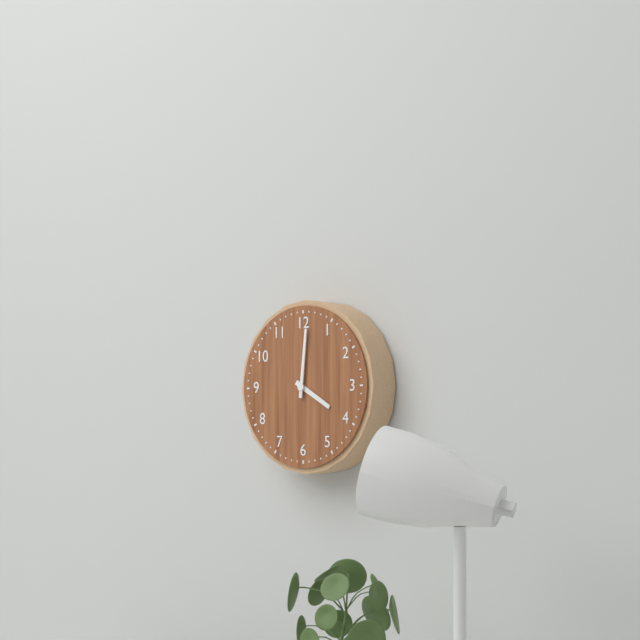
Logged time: {"hour": 4, "minute": 1}
